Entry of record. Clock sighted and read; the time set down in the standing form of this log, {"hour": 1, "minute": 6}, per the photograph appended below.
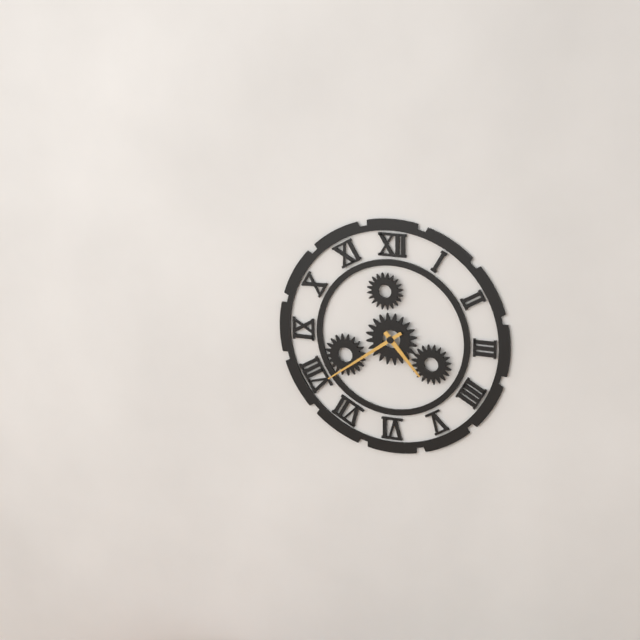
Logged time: {"hour": 4, "minute": 39}
